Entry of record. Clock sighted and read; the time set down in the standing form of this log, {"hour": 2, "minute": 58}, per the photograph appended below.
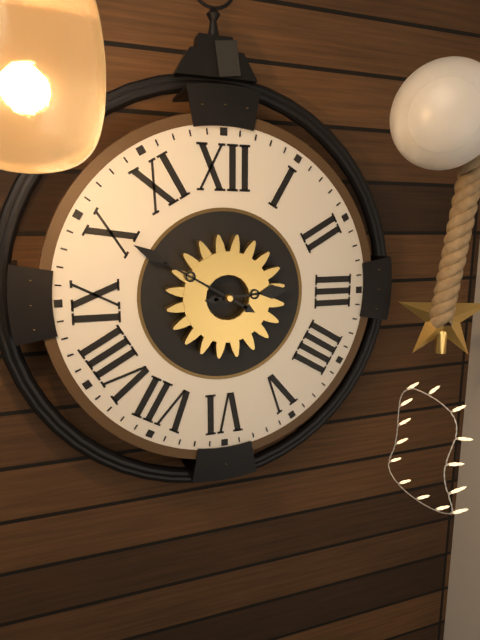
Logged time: {"hour": 2, "minute": 50}
